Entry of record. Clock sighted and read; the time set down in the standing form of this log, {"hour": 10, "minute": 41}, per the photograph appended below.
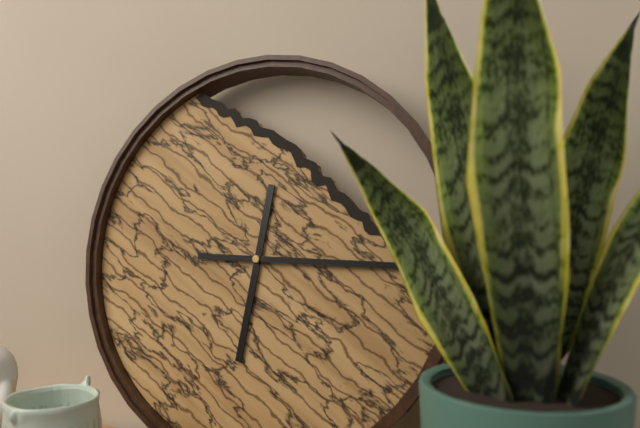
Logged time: {"hour": 6, "minute": 15}
